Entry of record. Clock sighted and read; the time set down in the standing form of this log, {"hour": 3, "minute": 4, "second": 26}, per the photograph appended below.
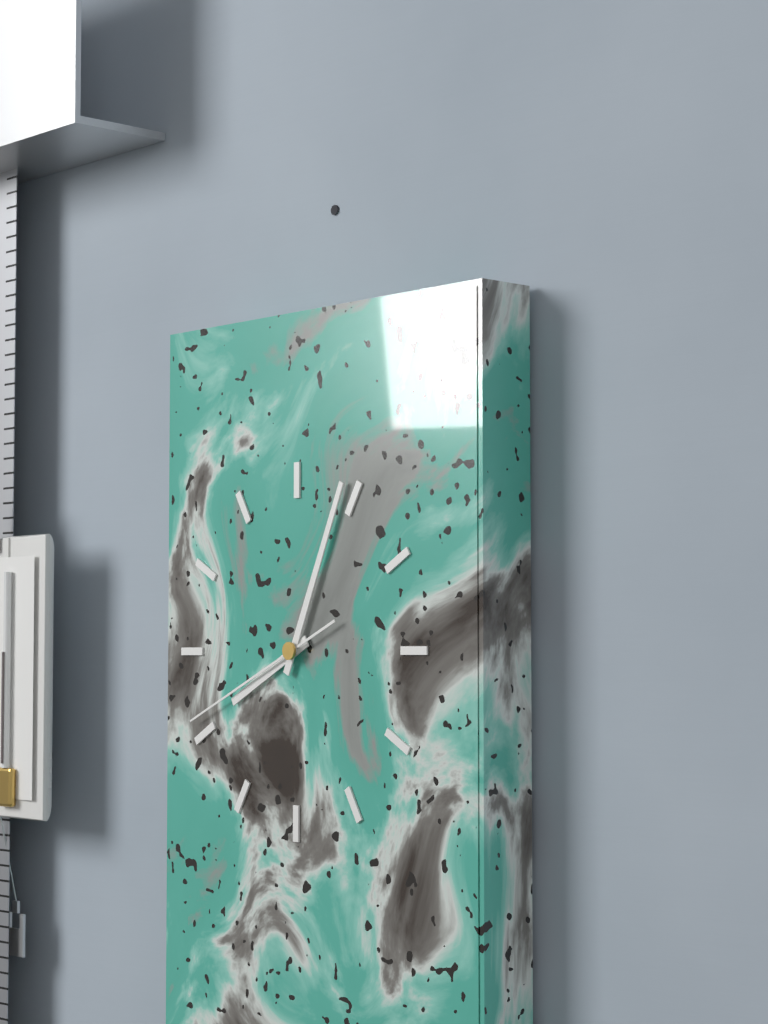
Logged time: {"hour": 8, "minute": 4, "second": 41}
